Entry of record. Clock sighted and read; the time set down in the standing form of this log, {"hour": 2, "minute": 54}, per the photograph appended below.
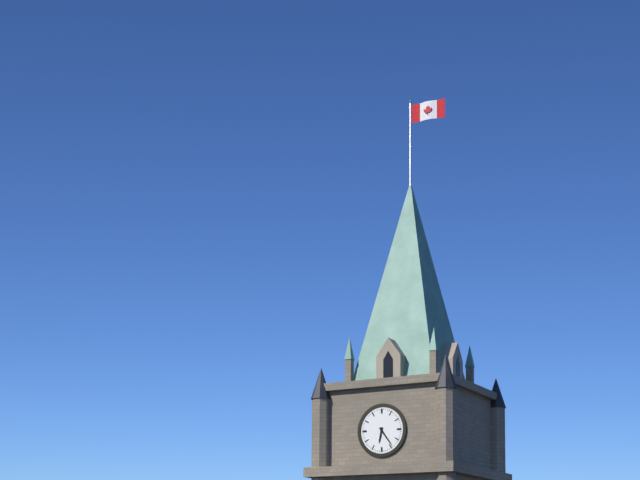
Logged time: {"hour": 6, "minute": 24}
